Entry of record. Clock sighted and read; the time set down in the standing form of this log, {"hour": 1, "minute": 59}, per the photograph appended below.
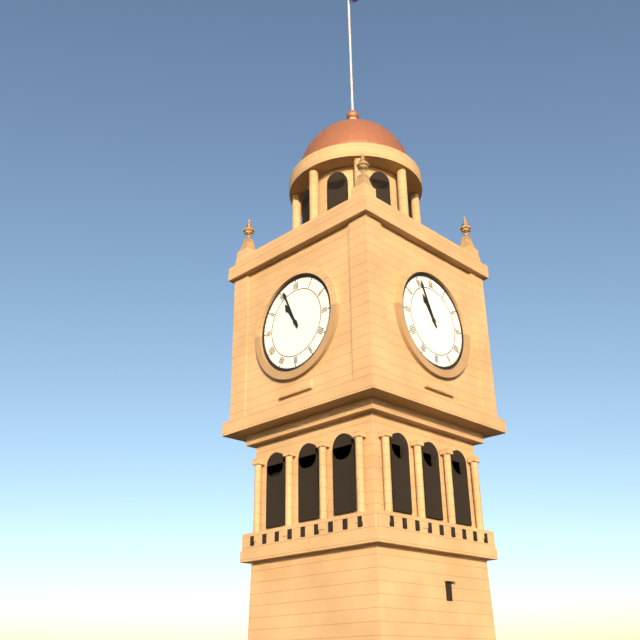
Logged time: {"hour": 10, "minute": 56}
